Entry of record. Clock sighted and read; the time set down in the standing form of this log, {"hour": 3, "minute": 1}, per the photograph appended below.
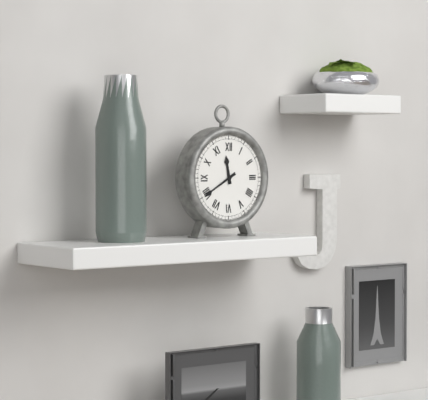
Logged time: {"hour": 11, "minute": 40}
